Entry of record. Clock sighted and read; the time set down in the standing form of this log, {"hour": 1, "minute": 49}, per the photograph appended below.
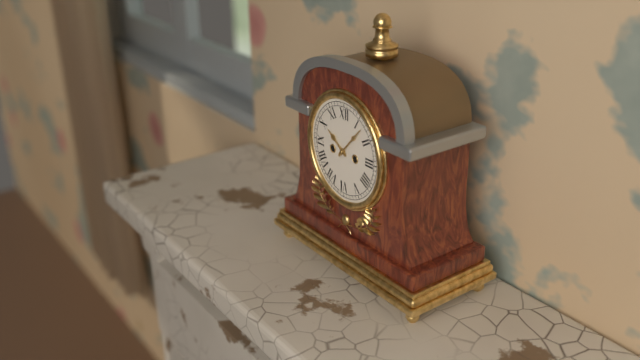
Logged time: {"hour": 10, "minute": 7}
